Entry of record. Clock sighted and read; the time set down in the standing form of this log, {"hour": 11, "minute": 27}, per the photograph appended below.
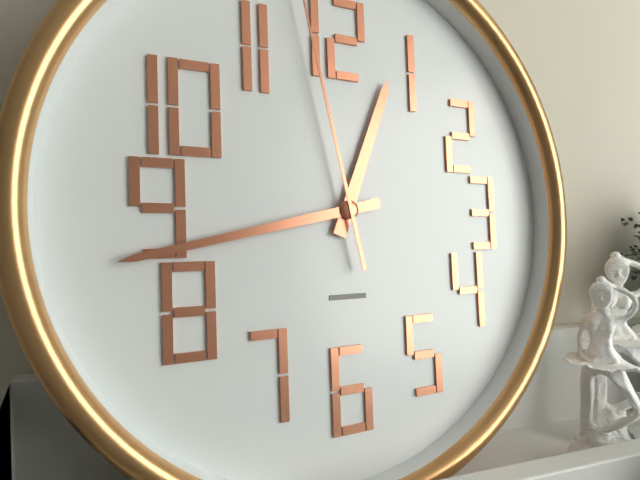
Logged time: {"hour": 12, "minute": 43}
